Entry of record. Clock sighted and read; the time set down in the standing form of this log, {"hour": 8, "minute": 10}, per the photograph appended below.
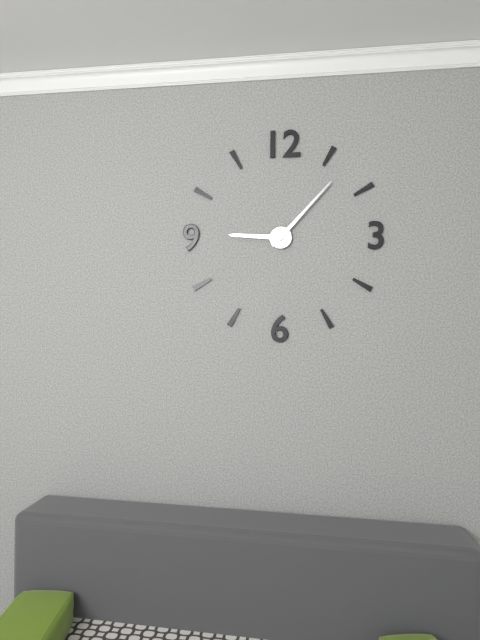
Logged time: {"hour": 9, "minute": 7}
